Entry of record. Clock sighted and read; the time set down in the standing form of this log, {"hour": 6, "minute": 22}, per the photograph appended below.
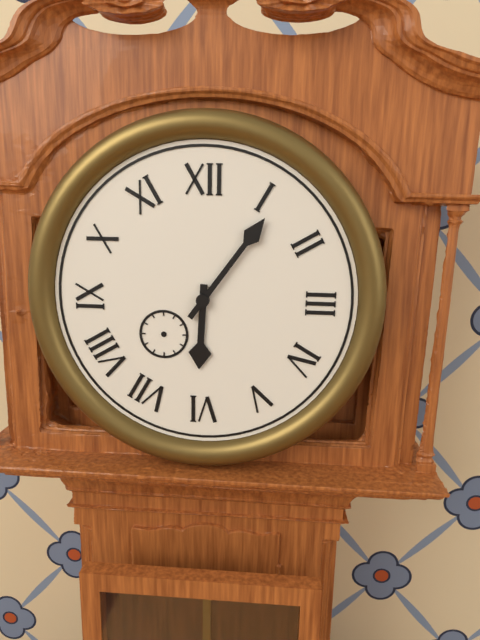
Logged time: {"hour": 6, "minute": 6}
